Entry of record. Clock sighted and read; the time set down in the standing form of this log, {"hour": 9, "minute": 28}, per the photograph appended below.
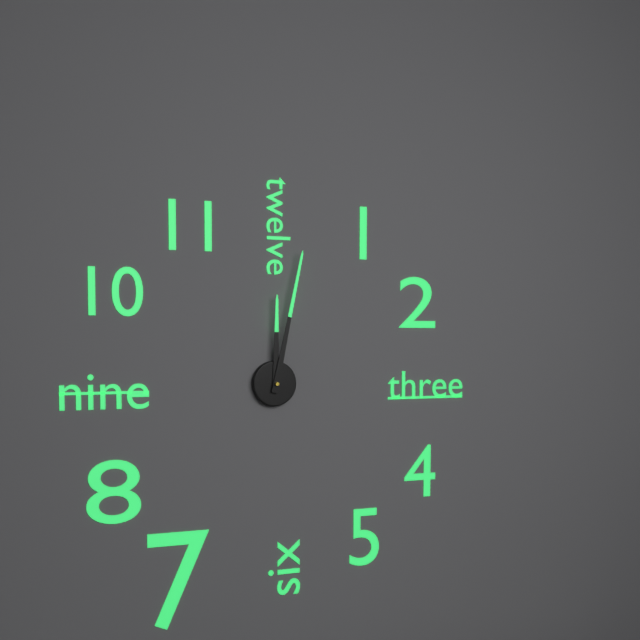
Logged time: {"hour": 12, "minute": 2}
